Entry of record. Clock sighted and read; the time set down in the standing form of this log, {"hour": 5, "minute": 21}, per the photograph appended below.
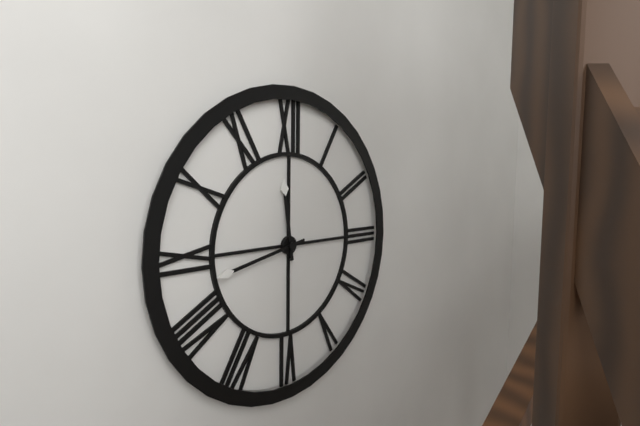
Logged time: {"hour": 11, "minute": 43}
